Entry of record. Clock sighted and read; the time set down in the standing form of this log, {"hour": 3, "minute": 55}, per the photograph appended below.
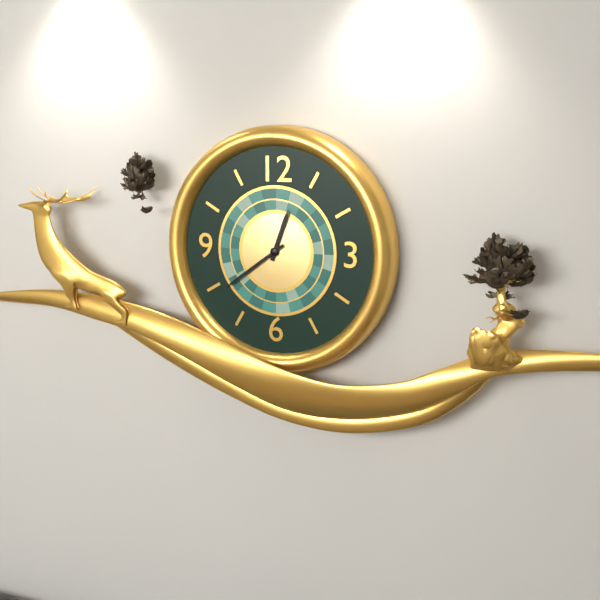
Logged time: {"hour": 12, "minute": 39}
